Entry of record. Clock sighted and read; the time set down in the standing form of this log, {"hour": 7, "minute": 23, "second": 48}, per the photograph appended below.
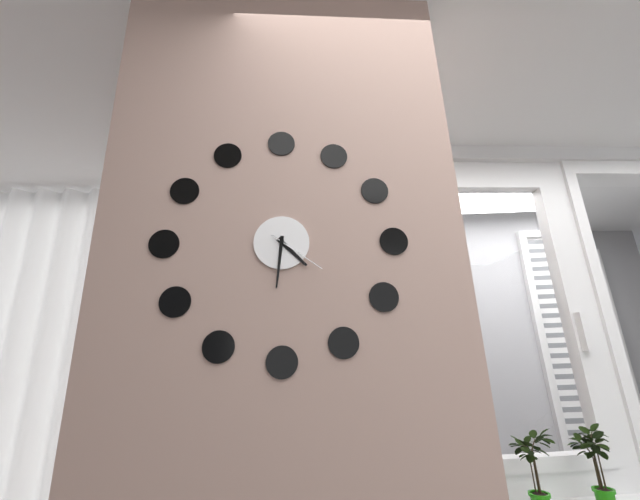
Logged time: {"hour": 4, "minute": 31, "second": 21}
